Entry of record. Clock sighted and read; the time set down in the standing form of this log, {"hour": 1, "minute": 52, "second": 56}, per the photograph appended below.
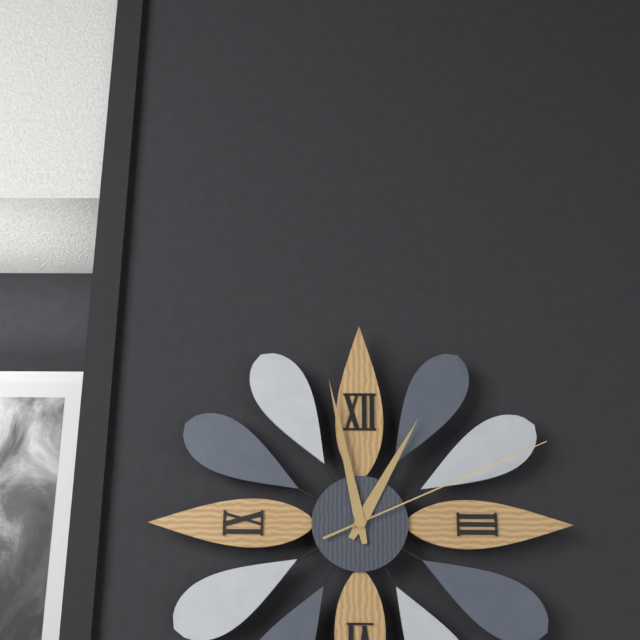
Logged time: {"hour": 12, "minute": 58, "second": 11}
